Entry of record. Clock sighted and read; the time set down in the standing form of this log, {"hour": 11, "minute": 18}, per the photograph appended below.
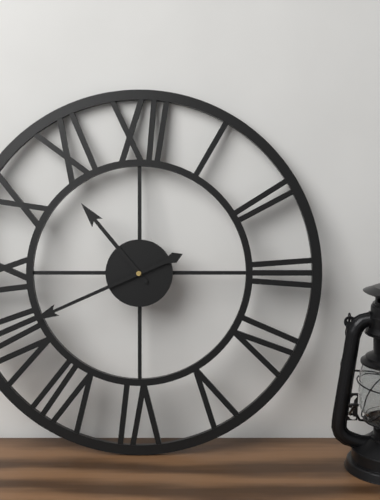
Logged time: {"hour": 10, "minute": 41}
